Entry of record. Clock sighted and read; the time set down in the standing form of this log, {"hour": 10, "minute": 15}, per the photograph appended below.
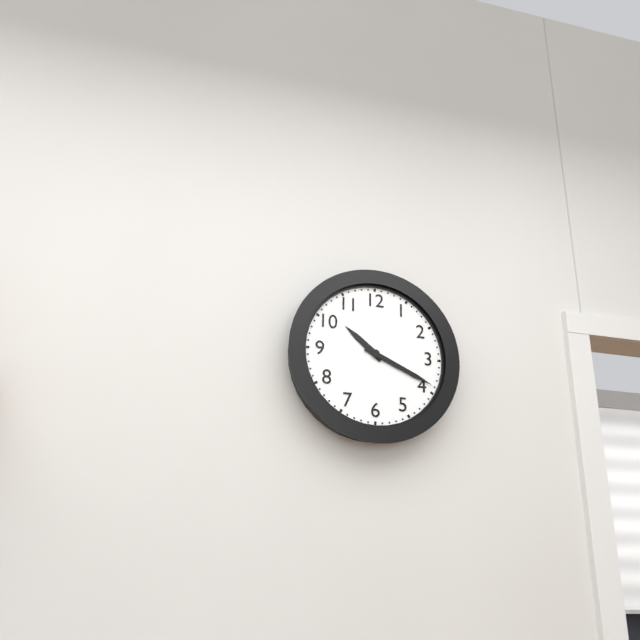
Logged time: {"hour": 10, "minute": 19}
